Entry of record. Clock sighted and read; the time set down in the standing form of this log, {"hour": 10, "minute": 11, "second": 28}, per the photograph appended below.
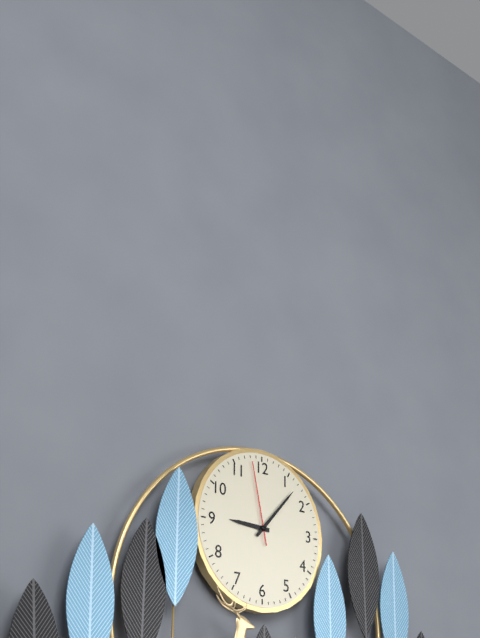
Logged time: {"hour": 9, "minute": 7, "second": 58}
